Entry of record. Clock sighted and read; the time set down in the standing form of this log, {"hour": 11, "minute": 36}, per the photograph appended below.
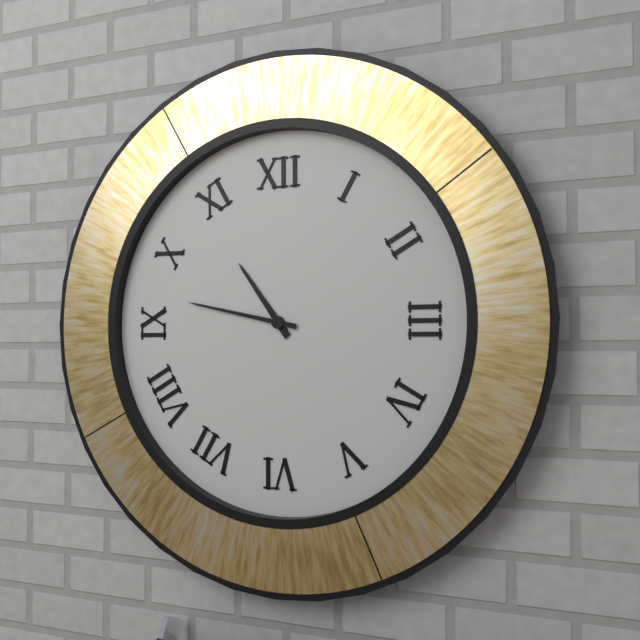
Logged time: {"hour": 10, "minute": 47}
